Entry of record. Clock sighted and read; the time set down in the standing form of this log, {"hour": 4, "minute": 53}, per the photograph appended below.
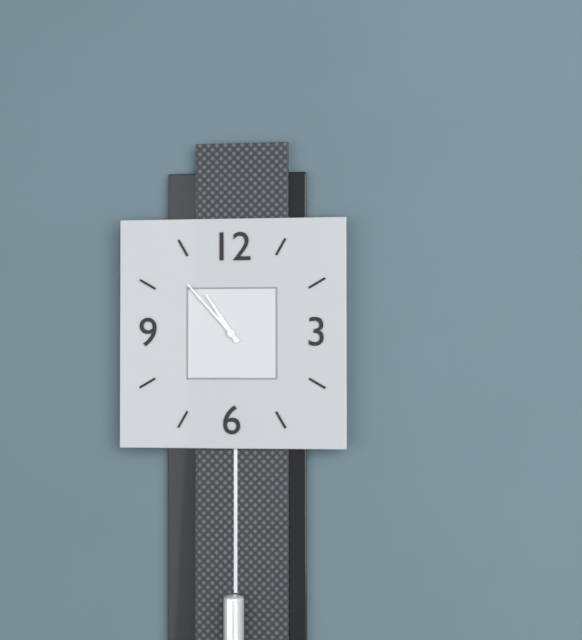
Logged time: {"hour": 10, "minute": 53}
